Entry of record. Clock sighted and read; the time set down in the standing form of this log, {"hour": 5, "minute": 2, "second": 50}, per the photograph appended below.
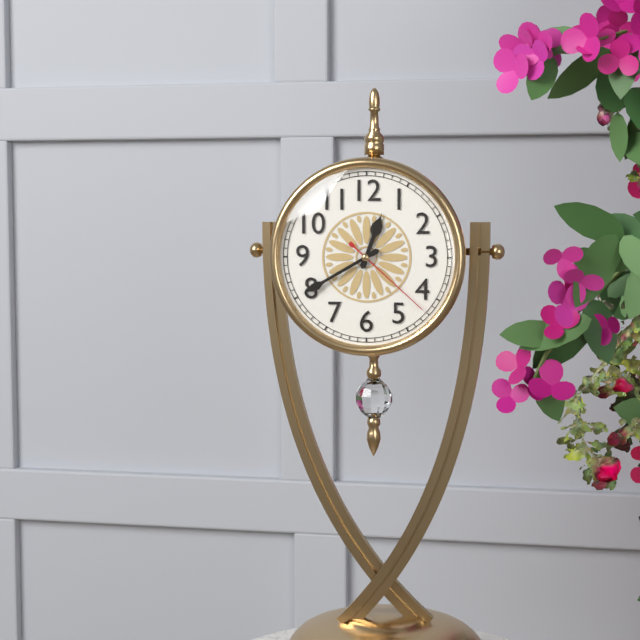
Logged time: {"hour": 12, "minute": 40, "second": 22}
